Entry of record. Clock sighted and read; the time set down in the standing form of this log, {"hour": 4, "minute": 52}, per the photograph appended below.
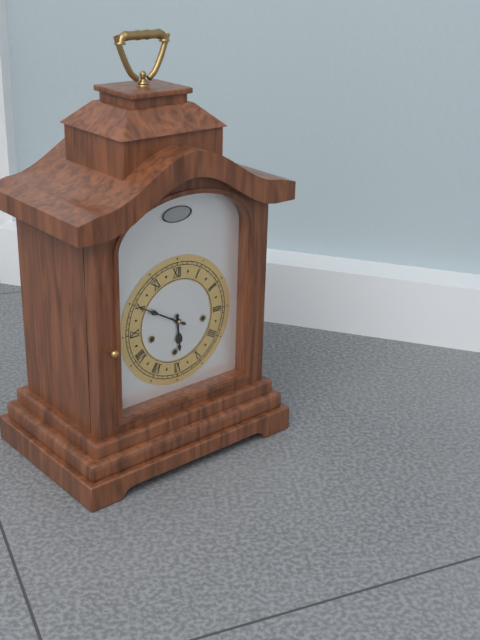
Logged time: {"hour": 5, "minute": 50}
